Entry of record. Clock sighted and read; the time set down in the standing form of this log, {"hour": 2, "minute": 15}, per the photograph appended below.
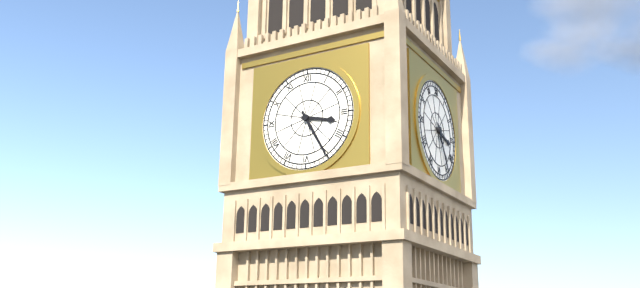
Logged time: {"hour": 3, "minute": 25}
